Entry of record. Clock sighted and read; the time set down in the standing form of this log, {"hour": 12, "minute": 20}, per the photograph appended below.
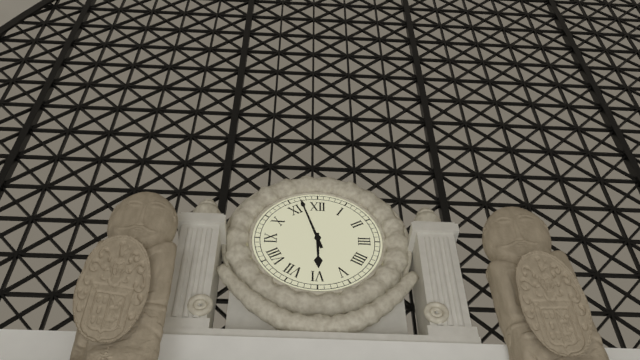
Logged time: {"hour": 5, "minute": 57}
